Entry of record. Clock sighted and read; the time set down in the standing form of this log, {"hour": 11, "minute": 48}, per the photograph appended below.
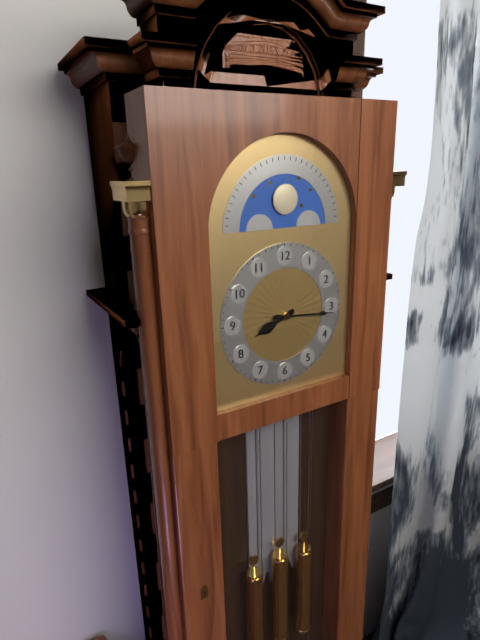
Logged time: {"hour": 8, "minute": 16}
